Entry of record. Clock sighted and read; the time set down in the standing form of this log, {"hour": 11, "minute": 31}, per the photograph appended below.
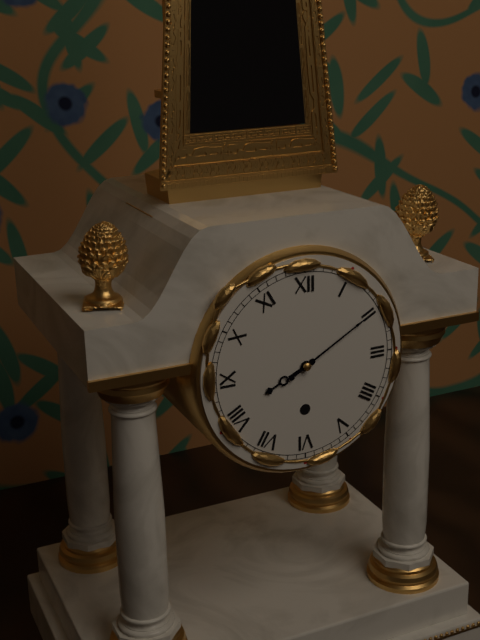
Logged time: {"hour": 8, "minute": 10}
